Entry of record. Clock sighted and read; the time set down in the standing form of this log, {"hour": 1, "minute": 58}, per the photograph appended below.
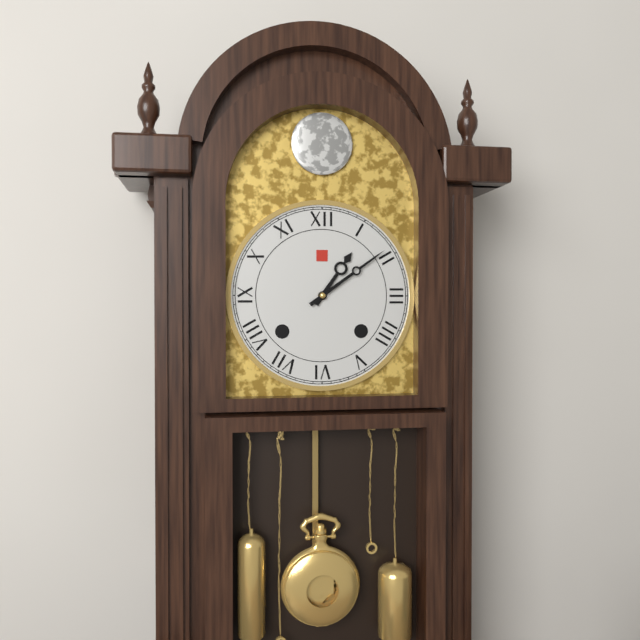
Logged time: {"hour": 1, "minute": 9}
